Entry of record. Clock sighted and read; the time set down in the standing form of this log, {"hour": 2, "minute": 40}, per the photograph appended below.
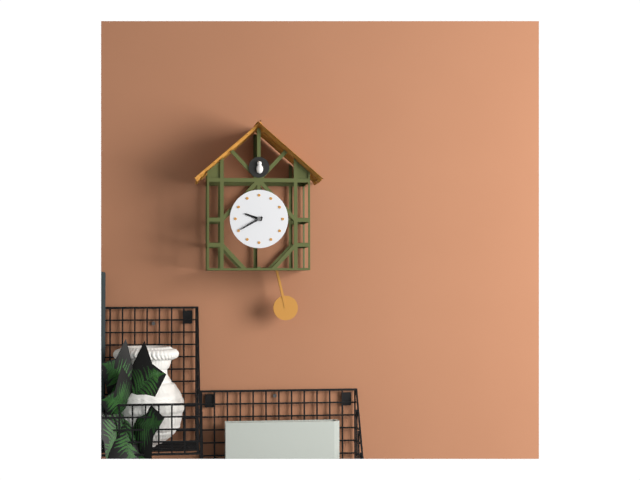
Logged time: {"hour": 9, "minute": 40}
